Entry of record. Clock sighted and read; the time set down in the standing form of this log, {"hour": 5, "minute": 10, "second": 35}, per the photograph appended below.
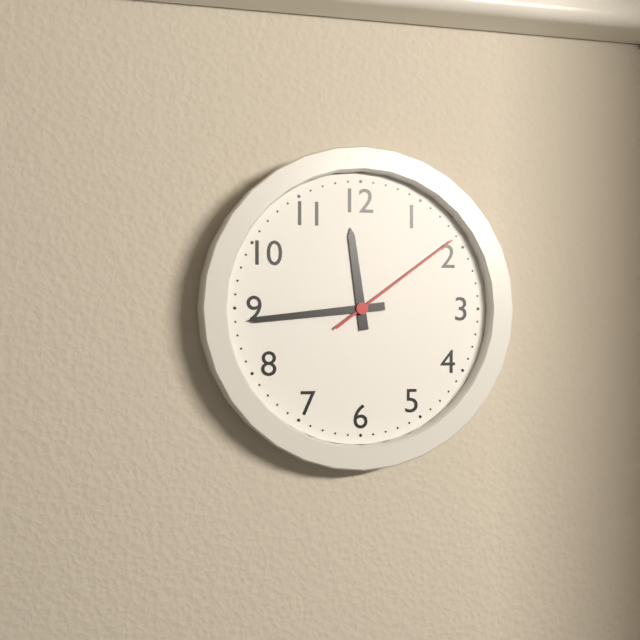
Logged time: {"hour": 11, "minute": 44, "second": 9}
